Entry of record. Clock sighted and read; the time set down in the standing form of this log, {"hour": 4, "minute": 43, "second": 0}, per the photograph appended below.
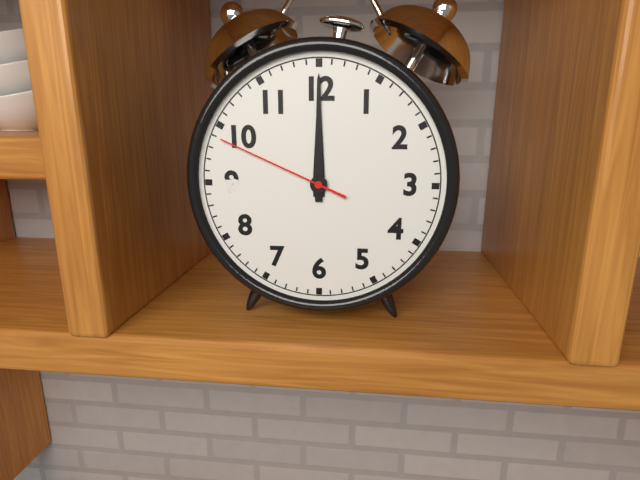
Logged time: {"hour": 12, "minute": 0, "second": 49}
